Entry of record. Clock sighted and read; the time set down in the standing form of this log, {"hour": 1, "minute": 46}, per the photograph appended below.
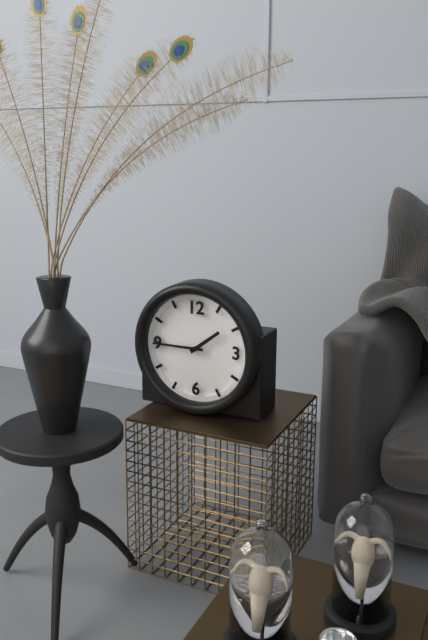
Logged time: {"hour": 1, "minute": 45}
